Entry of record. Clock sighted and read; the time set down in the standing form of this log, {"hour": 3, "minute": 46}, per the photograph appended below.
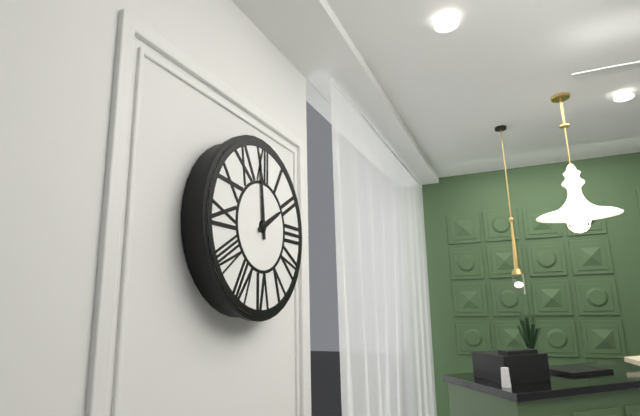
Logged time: {"hour": 1, "minute": 59}
